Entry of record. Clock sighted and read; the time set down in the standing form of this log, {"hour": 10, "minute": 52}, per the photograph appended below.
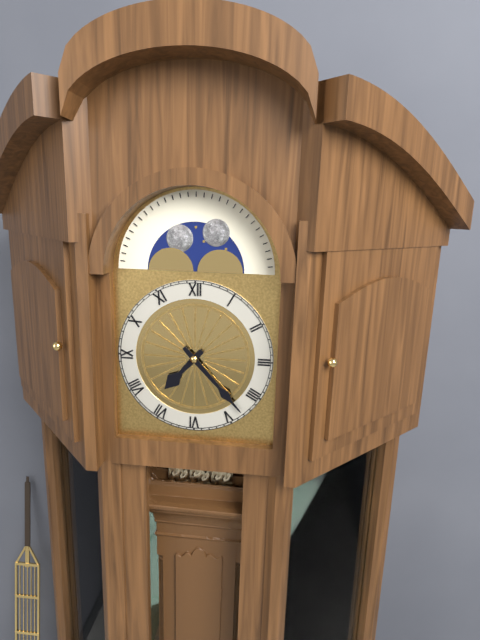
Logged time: {"hour": 7, "minute": 23}
